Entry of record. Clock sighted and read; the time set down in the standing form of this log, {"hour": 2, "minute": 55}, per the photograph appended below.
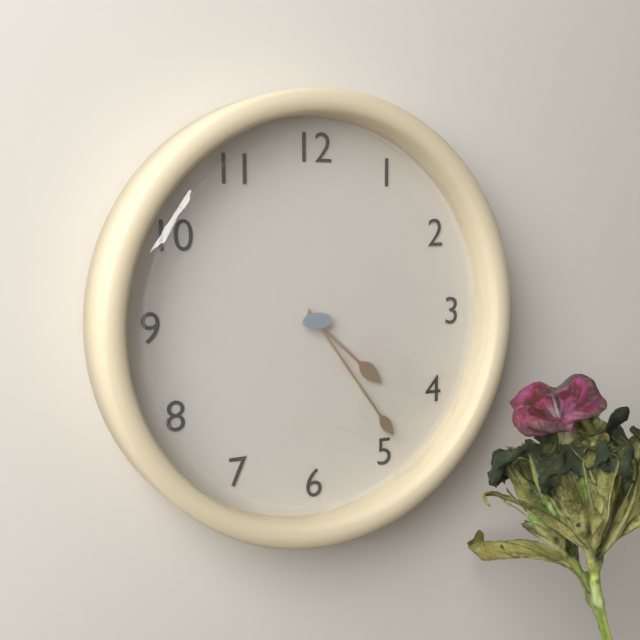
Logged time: {"hour": 4, "minute": 24}
